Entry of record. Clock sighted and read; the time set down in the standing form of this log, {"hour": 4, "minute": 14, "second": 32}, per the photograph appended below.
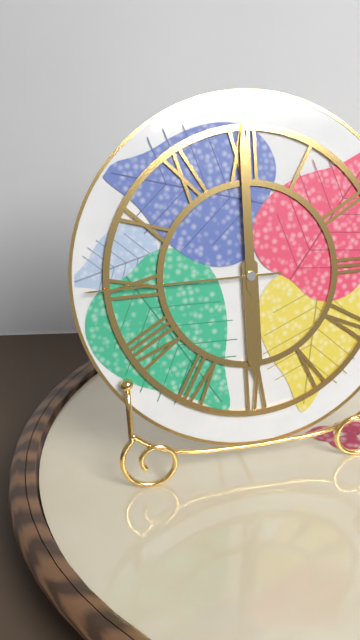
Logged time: {"hour": 6, "minute": 0, "second": 45}
